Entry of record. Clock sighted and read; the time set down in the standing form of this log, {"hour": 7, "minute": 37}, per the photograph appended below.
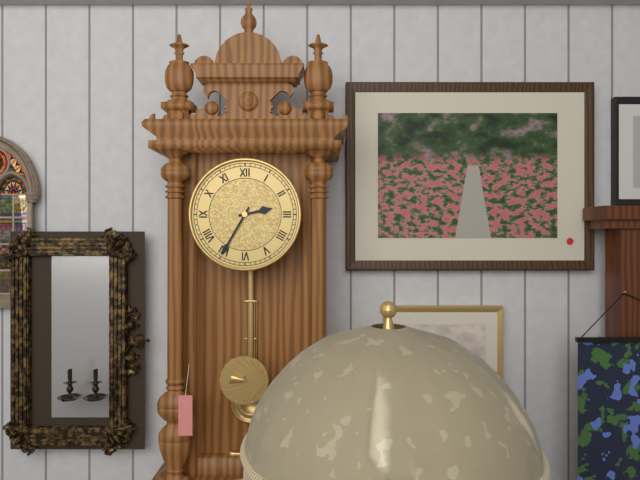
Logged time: {"hour": 2, "minute": 35}
